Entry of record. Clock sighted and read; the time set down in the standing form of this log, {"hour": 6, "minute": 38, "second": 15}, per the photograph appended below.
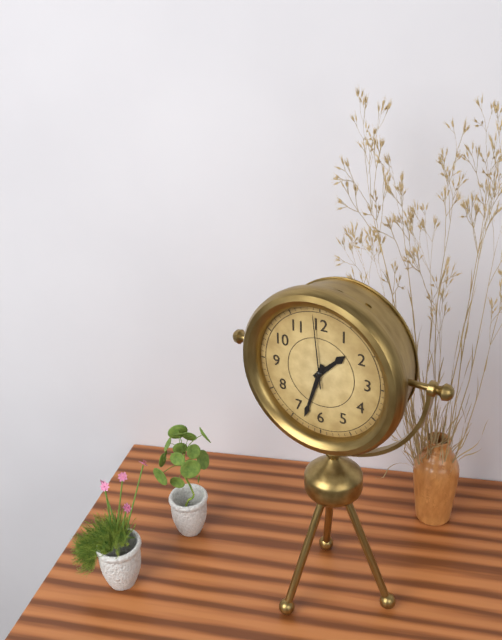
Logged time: {"hour": 1, "minute": 33, "second": 59}
